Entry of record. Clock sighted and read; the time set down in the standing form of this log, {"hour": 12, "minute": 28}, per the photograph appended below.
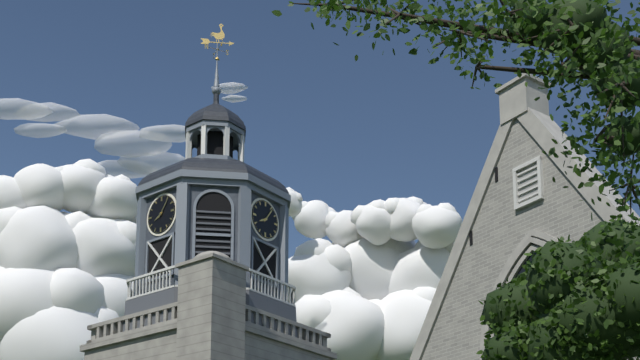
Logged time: {"hour": 8, "minute": 6}
